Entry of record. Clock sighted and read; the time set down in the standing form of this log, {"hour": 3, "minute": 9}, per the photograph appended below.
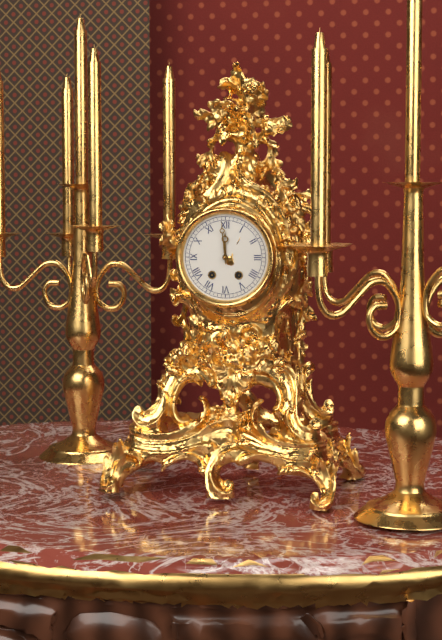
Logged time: {"hour": 11, "minute": 59}
